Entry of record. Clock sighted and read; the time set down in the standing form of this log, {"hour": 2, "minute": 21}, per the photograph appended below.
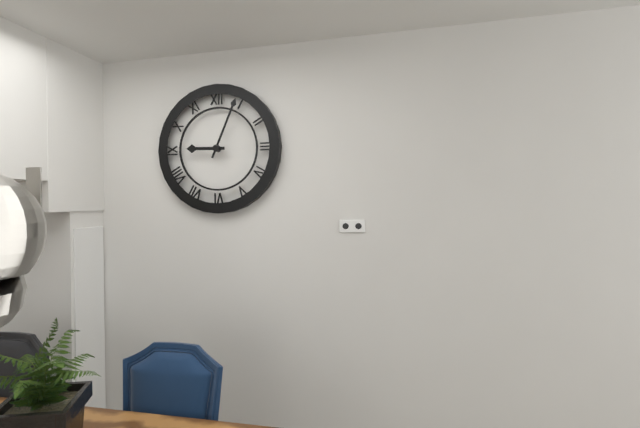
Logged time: {"hour": 9, "minute": 4}
